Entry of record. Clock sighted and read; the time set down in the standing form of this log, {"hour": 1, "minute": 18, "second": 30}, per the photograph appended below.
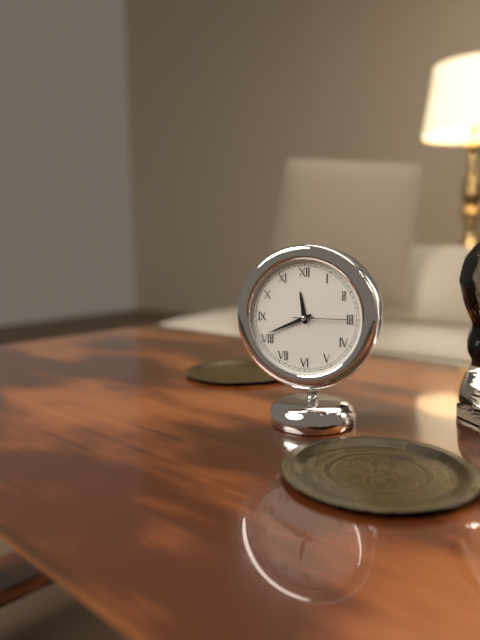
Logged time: {"hour": 11, "minute": 41, "second": 15}
